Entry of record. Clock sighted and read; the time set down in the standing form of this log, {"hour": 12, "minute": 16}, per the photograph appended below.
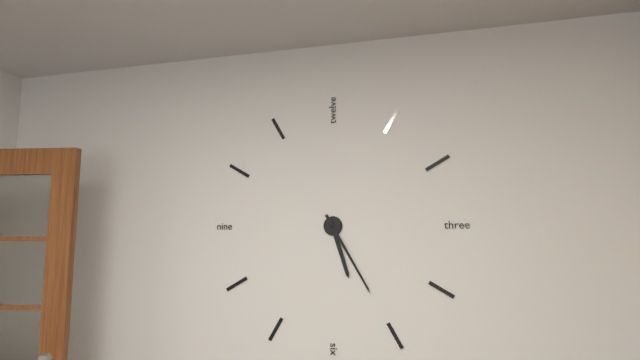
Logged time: {"hour": 5, "minute": 25}
